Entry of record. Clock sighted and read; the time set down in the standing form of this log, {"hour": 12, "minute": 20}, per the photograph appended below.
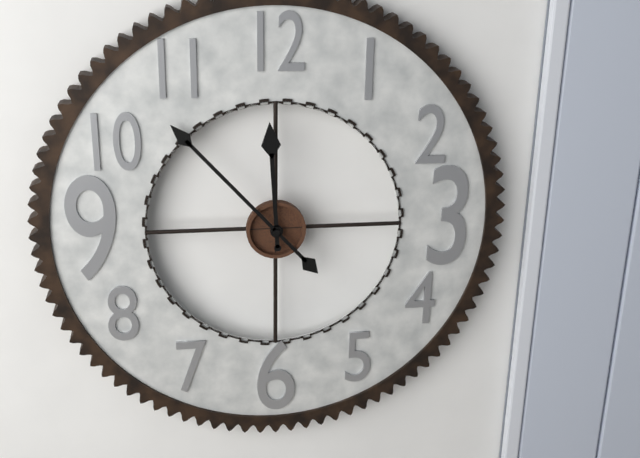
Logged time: {"hour": 11, "minute": 53}
